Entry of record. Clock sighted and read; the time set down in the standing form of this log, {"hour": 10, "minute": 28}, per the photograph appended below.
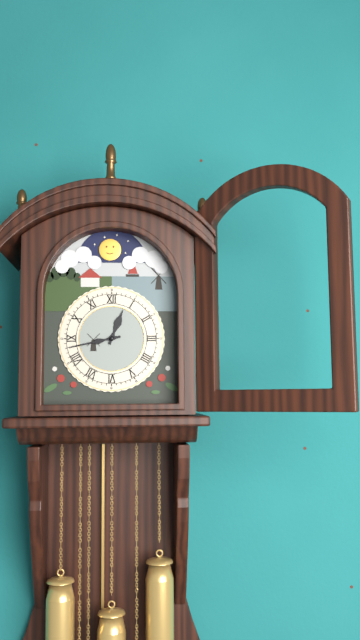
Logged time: {"hour": 12, "minute": 43}
